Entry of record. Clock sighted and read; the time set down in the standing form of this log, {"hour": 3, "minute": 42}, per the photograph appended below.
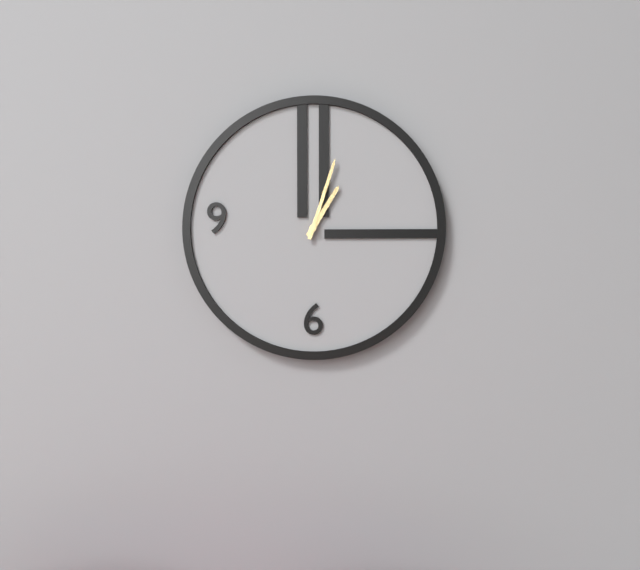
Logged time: {"hour": 1, "minute": 3}
